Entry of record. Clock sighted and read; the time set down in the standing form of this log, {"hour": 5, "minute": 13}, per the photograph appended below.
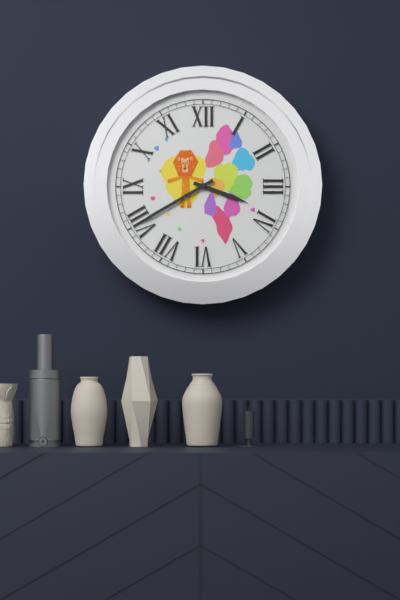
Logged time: {"hour": 3, "minute": 40}
